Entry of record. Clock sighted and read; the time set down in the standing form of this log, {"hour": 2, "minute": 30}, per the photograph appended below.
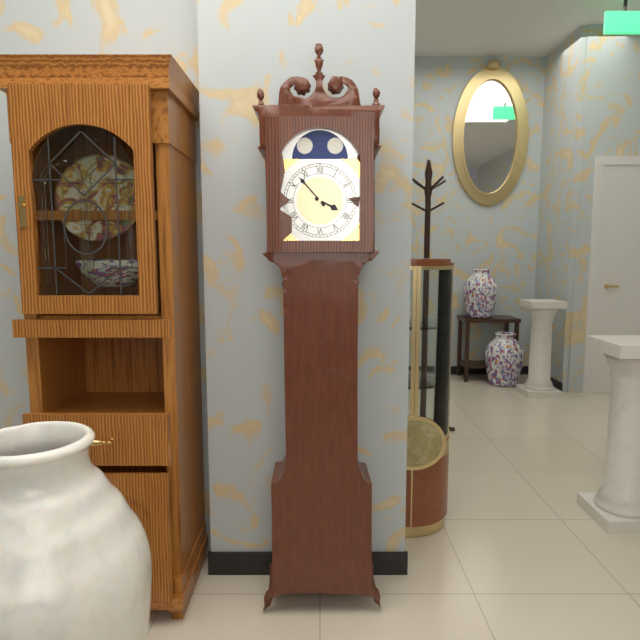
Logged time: {"hour": 3, "minute": 53}
